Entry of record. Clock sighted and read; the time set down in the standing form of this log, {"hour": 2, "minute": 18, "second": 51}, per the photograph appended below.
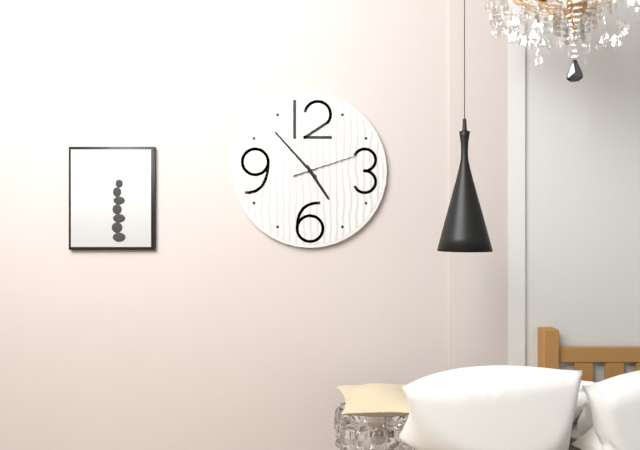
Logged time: {"hour": 4, "minute": 53, "second": 12}
